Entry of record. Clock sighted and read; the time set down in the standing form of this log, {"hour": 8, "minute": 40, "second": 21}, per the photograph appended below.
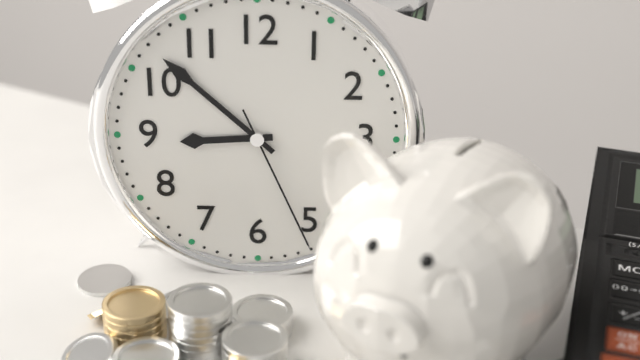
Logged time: {"hour": 8, "minute": 52, "second": 26}
